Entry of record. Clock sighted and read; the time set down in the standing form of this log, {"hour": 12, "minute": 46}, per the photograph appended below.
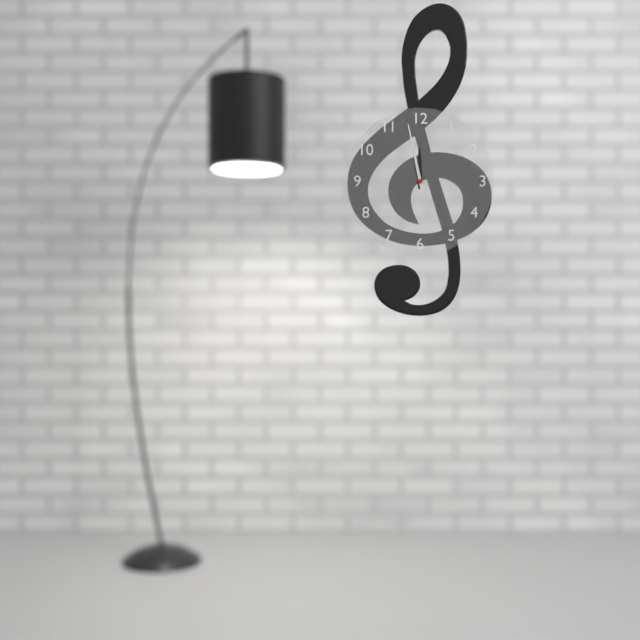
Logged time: {"hour": 11, "minute": 58}
